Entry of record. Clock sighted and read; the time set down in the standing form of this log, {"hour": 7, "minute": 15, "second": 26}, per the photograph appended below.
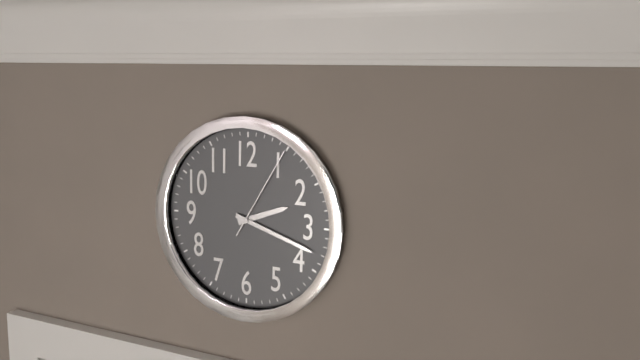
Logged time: {"hour": 2, "minute": 18, "second": 5}
